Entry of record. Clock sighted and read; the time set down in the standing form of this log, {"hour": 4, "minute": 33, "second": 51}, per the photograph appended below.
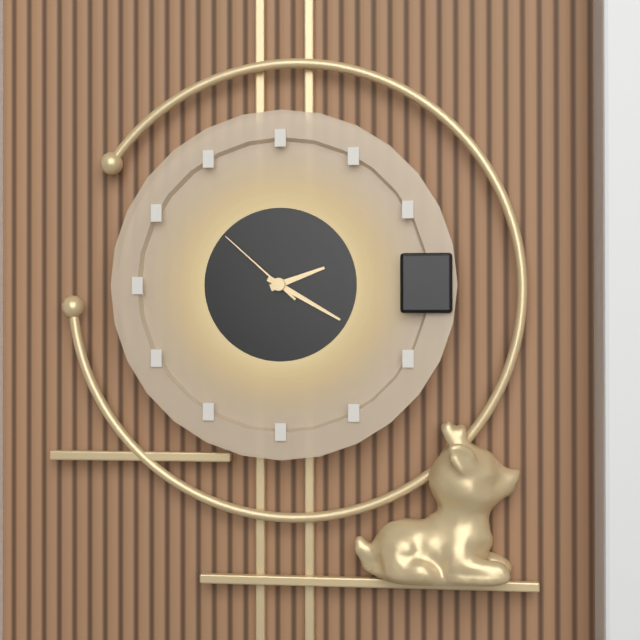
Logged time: {"hour": 2, "minute": 20, "second": 52}
